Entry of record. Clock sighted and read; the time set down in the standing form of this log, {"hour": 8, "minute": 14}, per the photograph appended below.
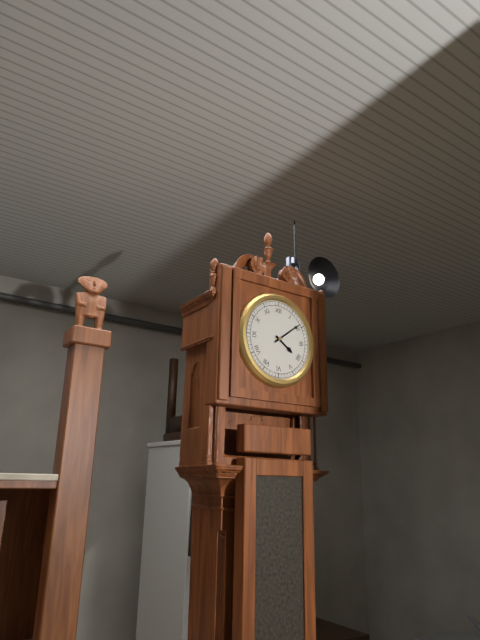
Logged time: {"hour": 4, "minute": 9}
